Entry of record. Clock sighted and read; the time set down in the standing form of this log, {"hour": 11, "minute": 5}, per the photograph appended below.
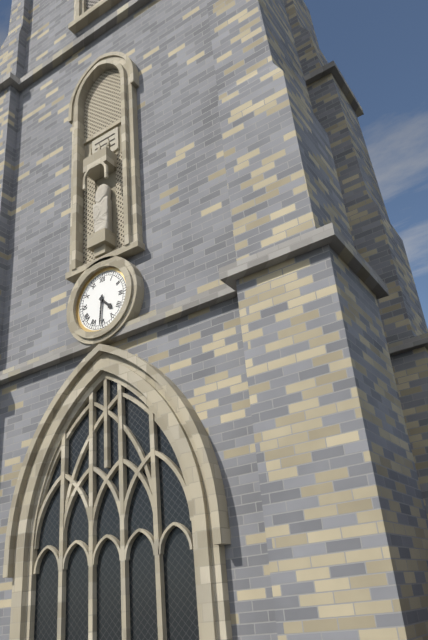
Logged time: {"hour": 4, "minute": 31}
